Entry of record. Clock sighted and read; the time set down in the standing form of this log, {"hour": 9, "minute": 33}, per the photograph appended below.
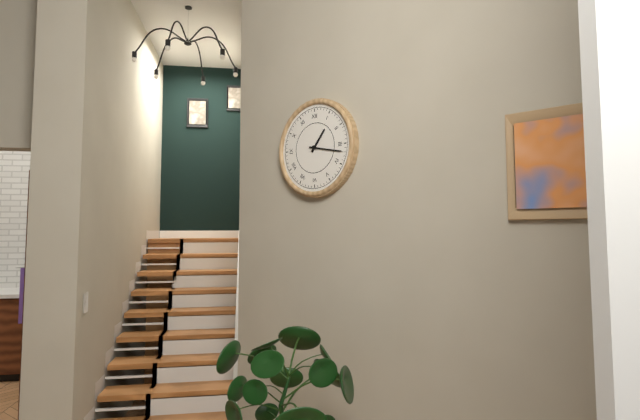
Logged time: {"hour": 1, "minute": 17}
